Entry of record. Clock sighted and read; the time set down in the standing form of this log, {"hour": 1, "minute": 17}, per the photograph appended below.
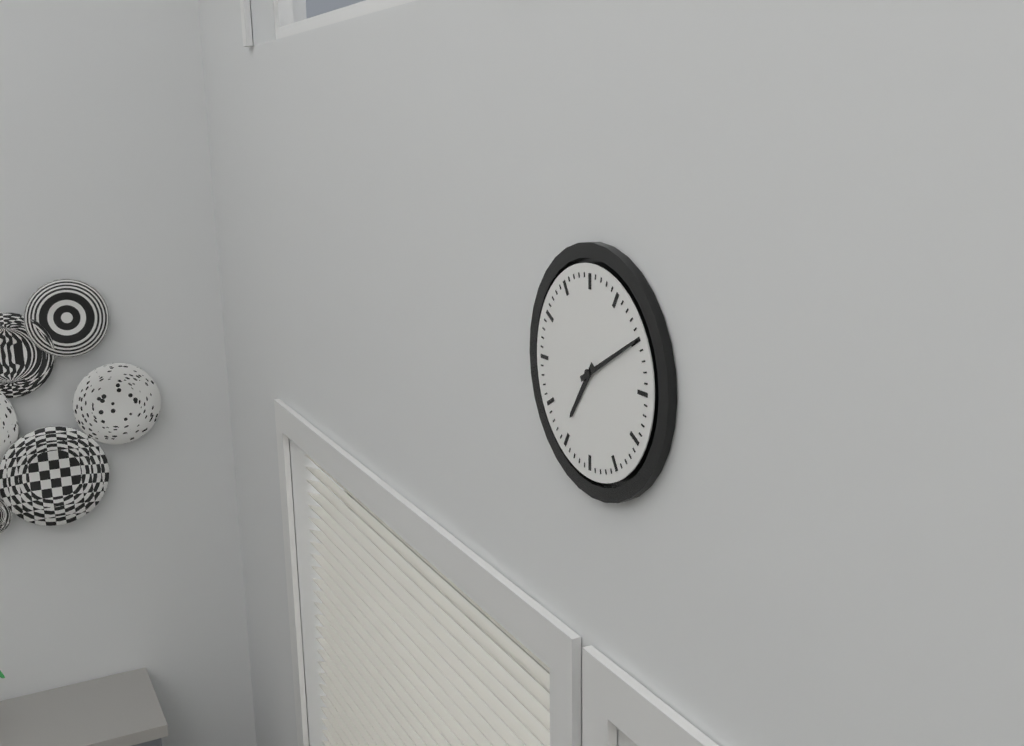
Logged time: {"hour": 7, "minute": 10}
